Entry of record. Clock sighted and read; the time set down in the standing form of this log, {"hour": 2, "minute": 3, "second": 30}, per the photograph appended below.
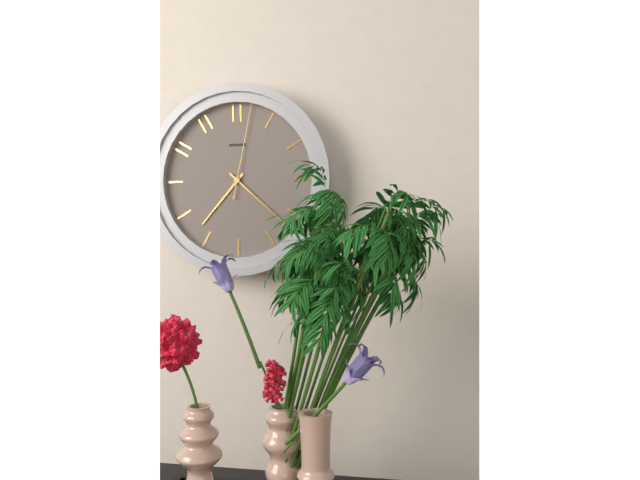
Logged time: {"hour": 7, "minute": 22, "second": 2}
